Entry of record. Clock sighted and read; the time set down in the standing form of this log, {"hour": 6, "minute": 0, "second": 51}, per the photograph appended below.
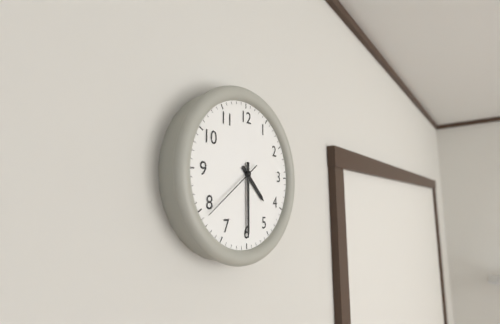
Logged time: {"hour": 4, "minute": 30, "second": 39}
